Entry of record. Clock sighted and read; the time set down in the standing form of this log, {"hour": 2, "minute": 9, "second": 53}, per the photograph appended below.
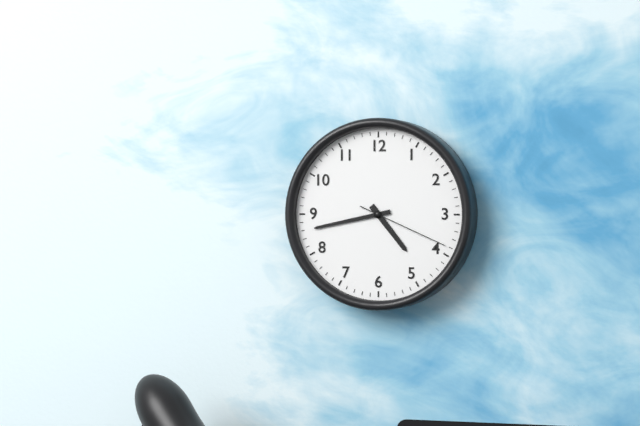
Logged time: {"hour": 4, "minute": 43, "second": 19}
